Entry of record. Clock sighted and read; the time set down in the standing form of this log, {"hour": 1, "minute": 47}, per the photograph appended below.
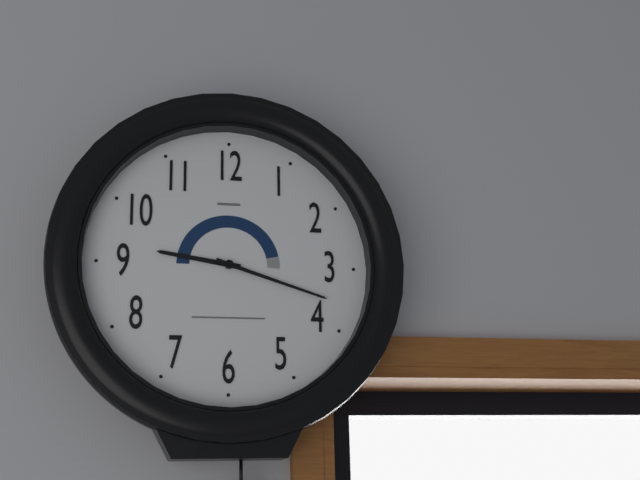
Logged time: {"hour": 9, "minute": 18}
